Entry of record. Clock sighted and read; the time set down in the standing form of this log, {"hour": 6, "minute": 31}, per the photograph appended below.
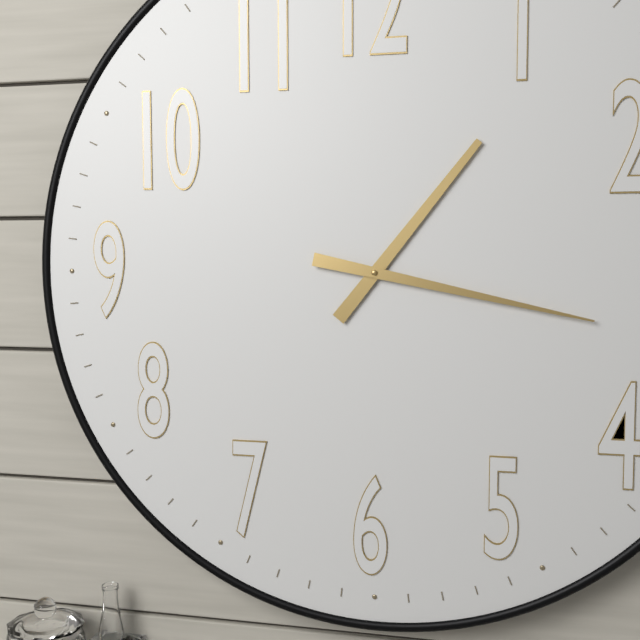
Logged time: {"hour": 1, "minute": 17}
